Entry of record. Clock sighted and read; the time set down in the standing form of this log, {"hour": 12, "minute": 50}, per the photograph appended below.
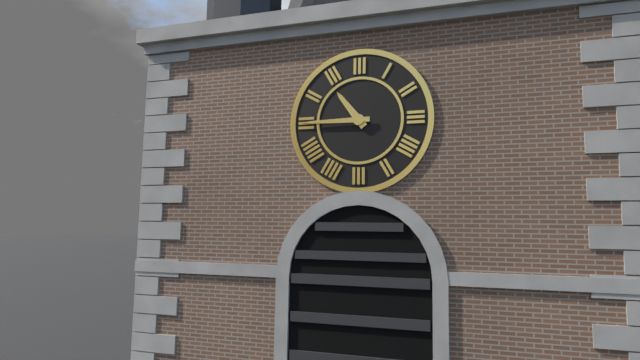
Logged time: {"hour": 10, "minute": 45}
